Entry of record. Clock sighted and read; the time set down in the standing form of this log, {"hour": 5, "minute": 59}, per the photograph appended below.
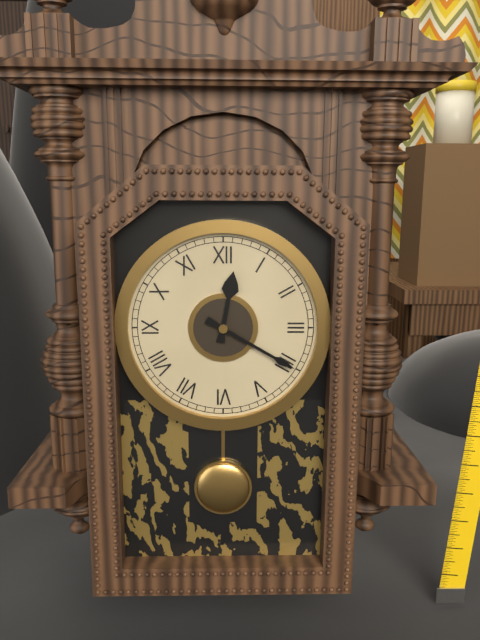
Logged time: {"hour": 12, "minute": 20}
